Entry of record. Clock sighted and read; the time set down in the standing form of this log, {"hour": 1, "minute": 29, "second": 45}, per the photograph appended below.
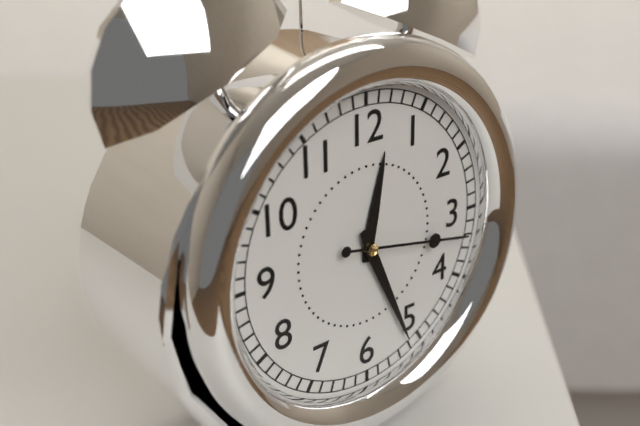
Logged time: {"hour": 12, "minute": 26, "second": 17}
